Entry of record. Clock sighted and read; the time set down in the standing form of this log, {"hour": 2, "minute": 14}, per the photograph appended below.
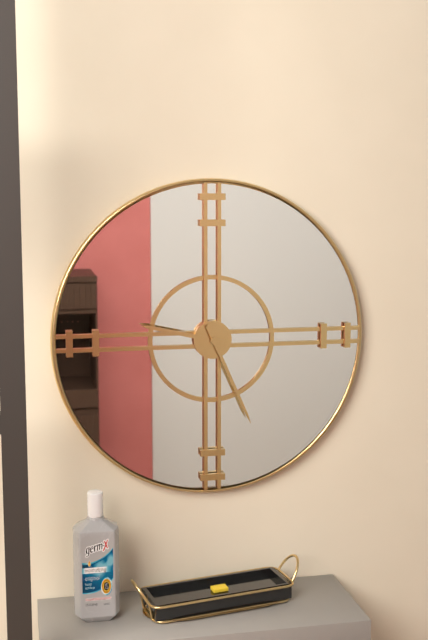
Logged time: {"hour": 9, "minute": 26}
